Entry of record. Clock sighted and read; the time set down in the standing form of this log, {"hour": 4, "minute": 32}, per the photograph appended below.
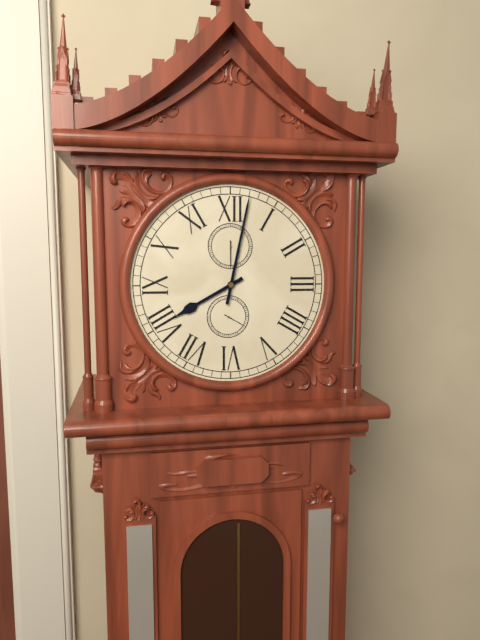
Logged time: {"hour": 8, "minute": 2}
